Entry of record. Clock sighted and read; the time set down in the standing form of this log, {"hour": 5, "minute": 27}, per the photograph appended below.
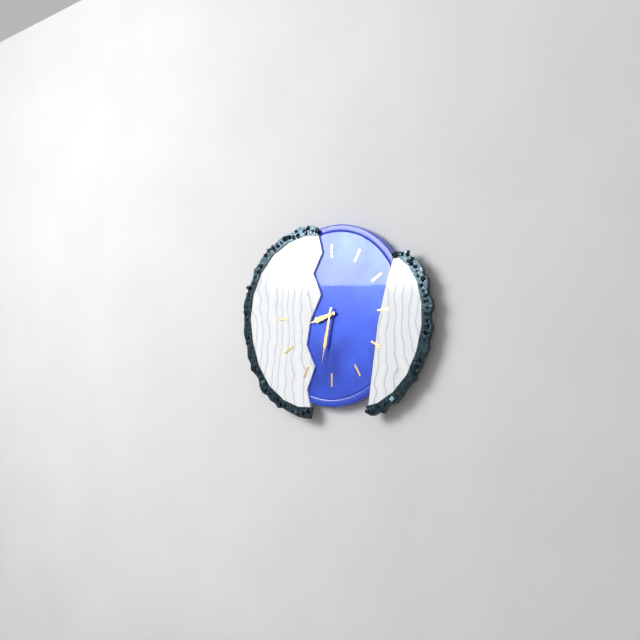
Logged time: {"hour": 8, "minute": 32}
